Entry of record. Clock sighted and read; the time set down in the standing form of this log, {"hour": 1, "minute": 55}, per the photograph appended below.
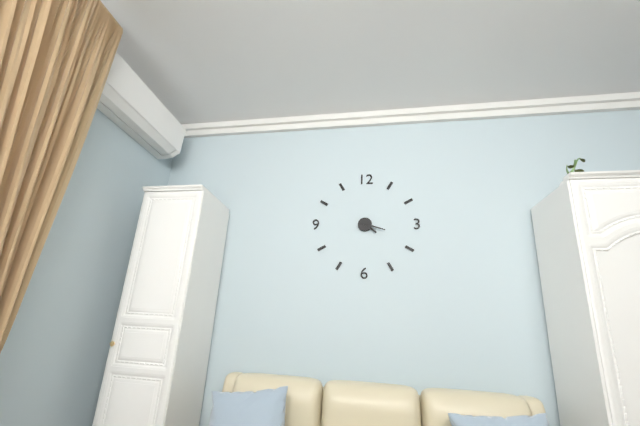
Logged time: {"hour": 4, "minute": 18}
